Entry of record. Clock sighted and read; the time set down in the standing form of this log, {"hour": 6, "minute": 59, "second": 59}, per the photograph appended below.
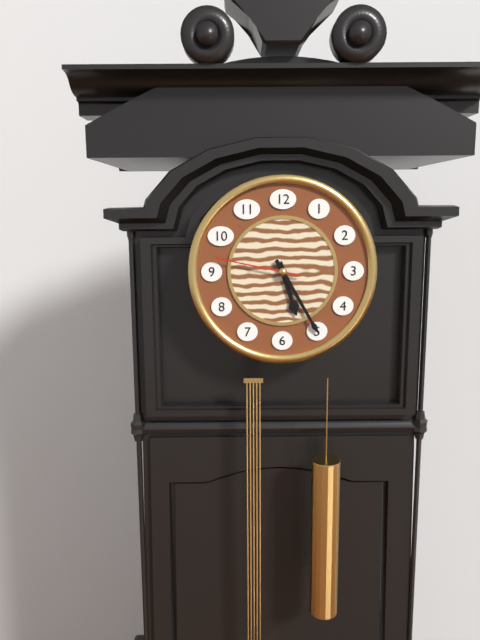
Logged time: {"hour": 5, "minute": 25, "second": 47}
